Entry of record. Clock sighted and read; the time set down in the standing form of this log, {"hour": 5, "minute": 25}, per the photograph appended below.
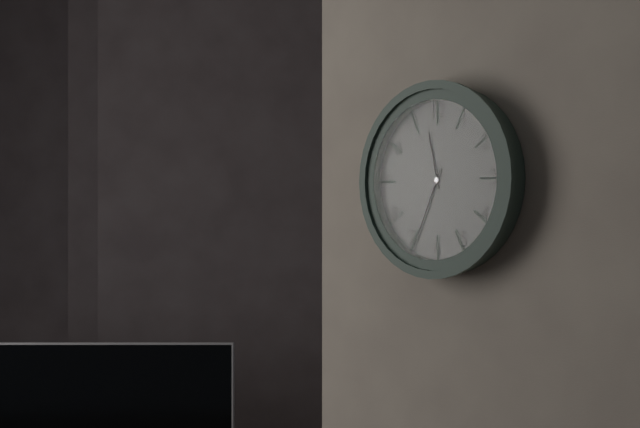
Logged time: {"hour": 11, "minute": 34}
